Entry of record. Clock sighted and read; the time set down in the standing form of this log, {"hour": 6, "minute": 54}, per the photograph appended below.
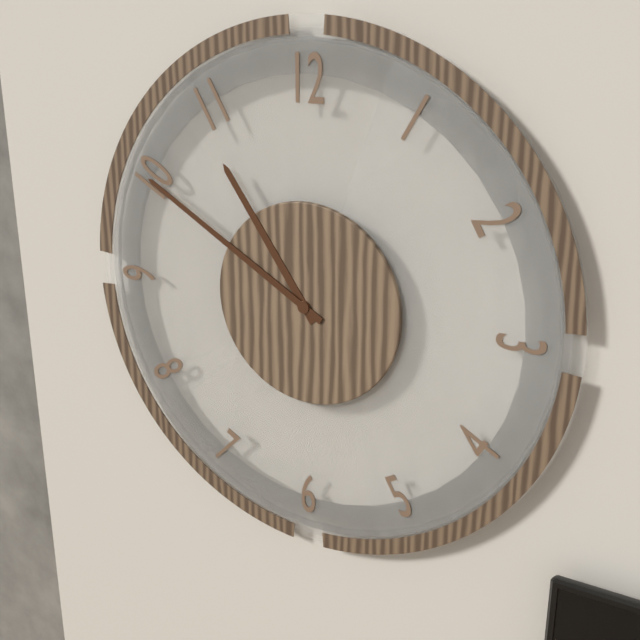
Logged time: {"hour": 10, "minute": 50}
